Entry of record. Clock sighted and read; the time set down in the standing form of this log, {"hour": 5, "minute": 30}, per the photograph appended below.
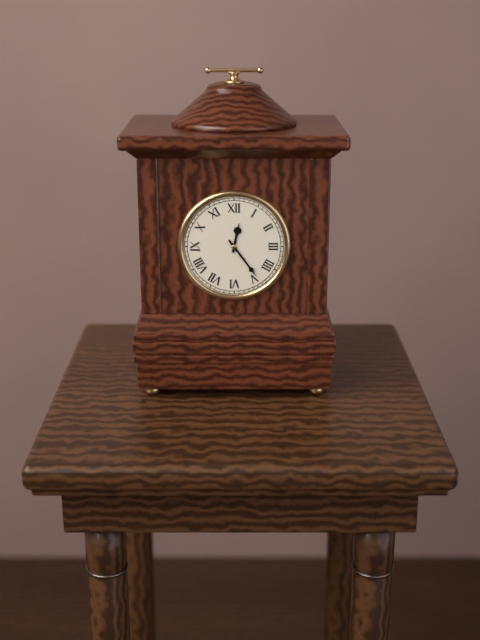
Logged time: {"hour": 12, "minute": 24}
